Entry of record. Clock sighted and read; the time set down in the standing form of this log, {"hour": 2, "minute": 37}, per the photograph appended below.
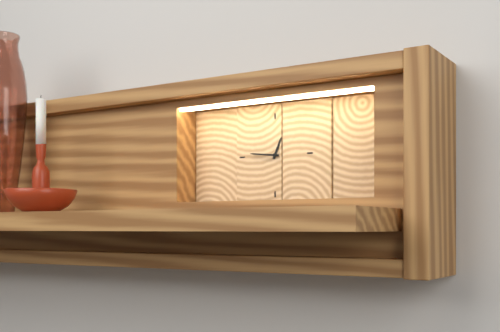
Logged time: {"hour": 12, "minute": 46}
